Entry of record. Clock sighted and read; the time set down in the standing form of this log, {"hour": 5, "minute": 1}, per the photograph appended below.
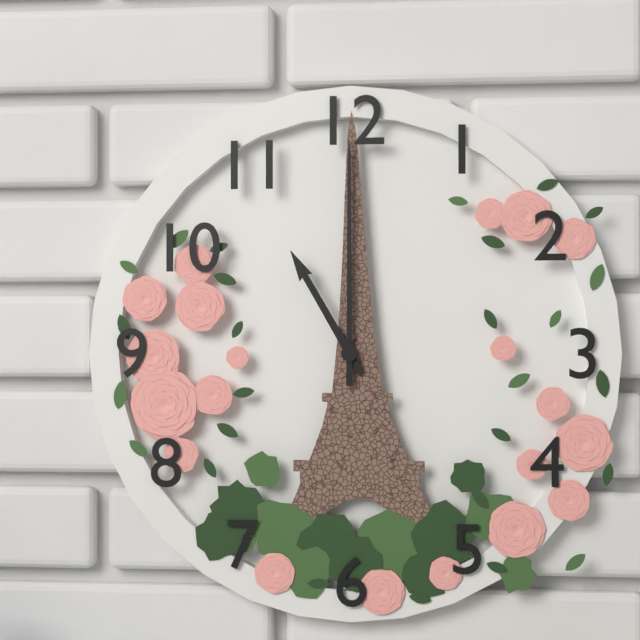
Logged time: {"hour": 11, "minute": 0}
